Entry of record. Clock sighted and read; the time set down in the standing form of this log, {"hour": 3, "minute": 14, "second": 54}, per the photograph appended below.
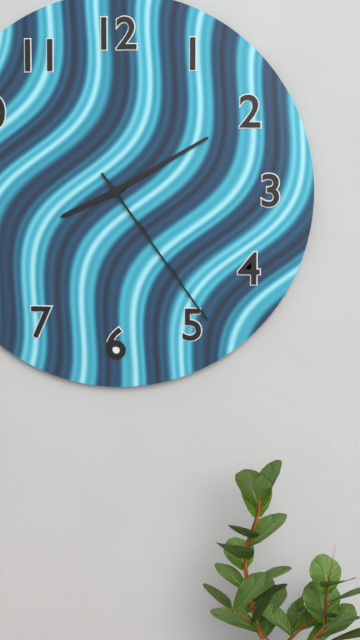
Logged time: {"hour": 8, "minute": 10, "second": 24}
